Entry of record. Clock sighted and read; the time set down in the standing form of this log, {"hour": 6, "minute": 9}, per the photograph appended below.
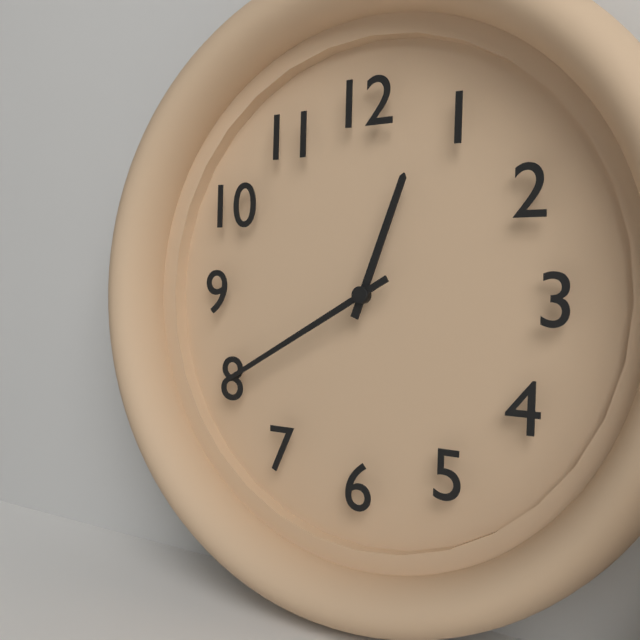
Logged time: {"hour": 12, "minute": 40}
